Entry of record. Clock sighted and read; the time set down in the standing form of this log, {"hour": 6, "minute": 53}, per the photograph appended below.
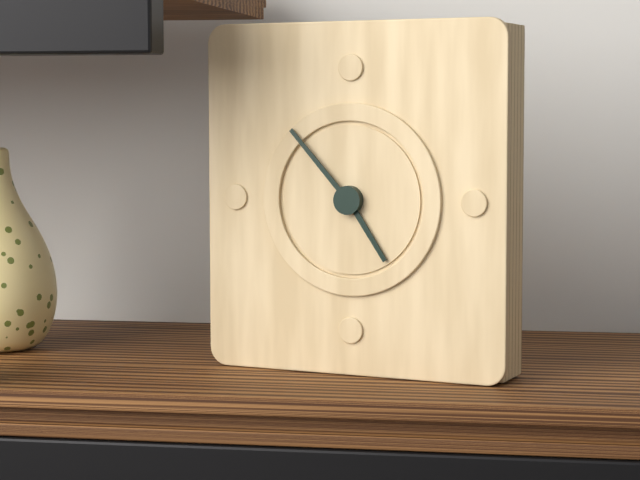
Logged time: {"hour": 4, "minute": 53}
